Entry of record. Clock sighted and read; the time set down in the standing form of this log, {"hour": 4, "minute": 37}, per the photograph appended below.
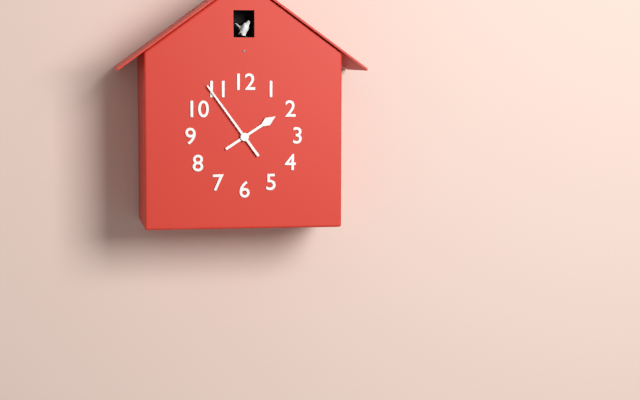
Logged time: {"hour": 1, "minute": 54}
